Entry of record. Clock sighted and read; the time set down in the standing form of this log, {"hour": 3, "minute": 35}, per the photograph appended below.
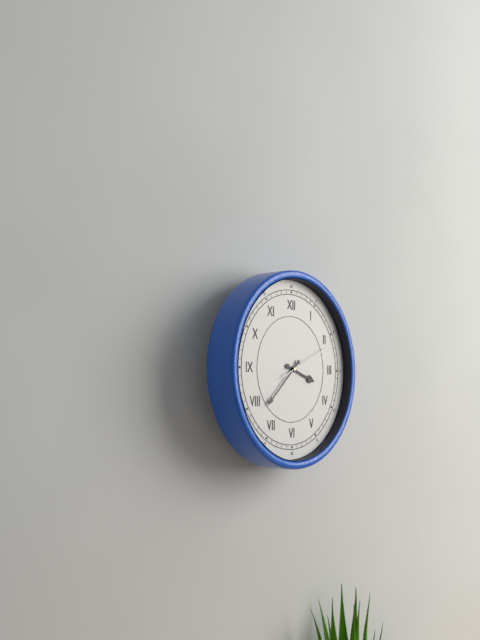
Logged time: {"hour": 3, "minute": 38}
